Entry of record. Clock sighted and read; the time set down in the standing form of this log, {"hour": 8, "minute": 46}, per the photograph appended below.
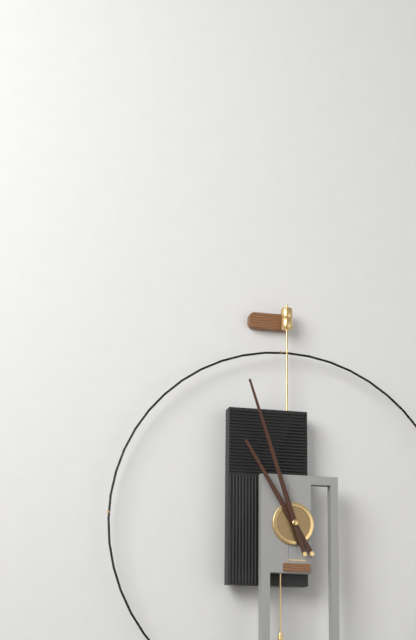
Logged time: {"hour": 10, "minute": 57}
